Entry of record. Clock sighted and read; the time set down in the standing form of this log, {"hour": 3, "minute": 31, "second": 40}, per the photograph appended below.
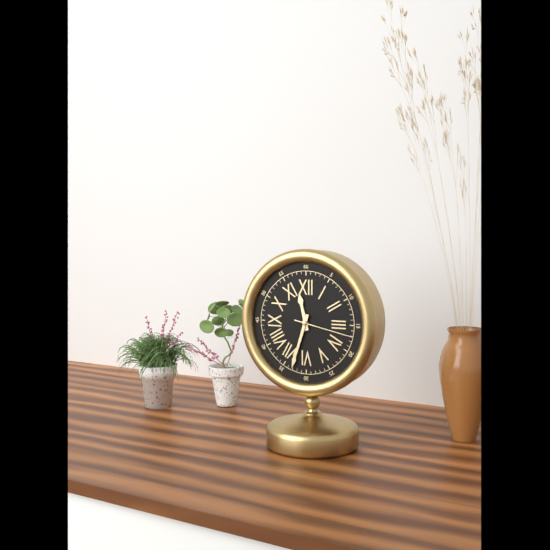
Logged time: {"hour": 11, "minute": 33, "second": 17}
